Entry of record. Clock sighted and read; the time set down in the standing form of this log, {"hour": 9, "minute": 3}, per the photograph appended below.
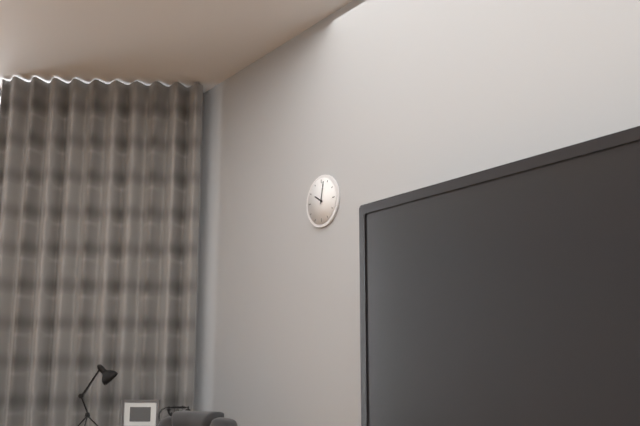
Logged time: {"hour": 10, "minute": 2}
